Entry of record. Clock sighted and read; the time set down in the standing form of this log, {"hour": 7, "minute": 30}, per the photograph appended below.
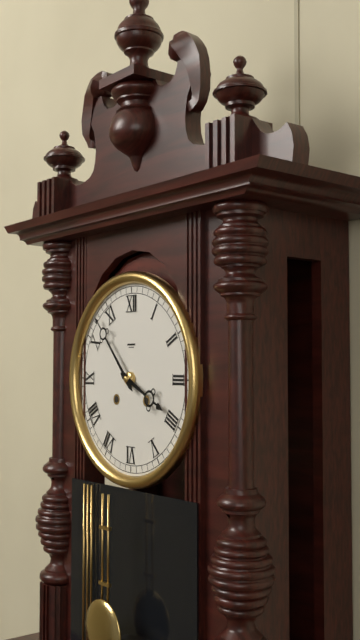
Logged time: {"hour": 3, "minute": 53}
